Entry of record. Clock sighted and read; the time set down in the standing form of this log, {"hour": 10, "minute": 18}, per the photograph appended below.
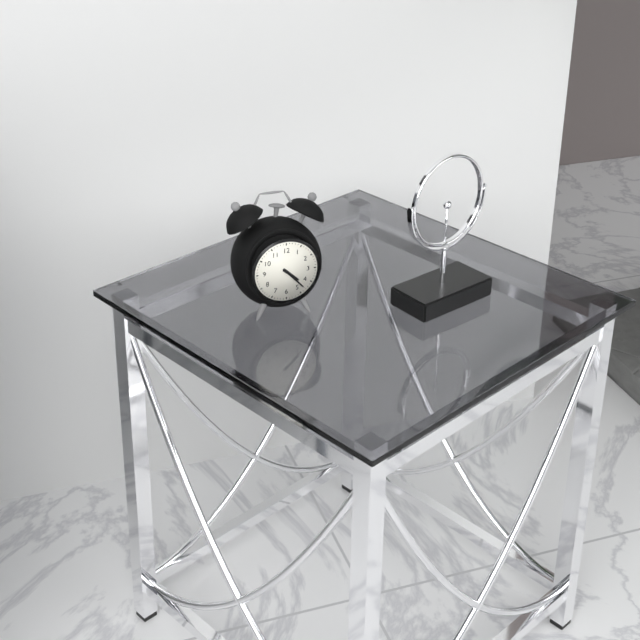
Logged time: {"hour": 4, "minute": 23}
